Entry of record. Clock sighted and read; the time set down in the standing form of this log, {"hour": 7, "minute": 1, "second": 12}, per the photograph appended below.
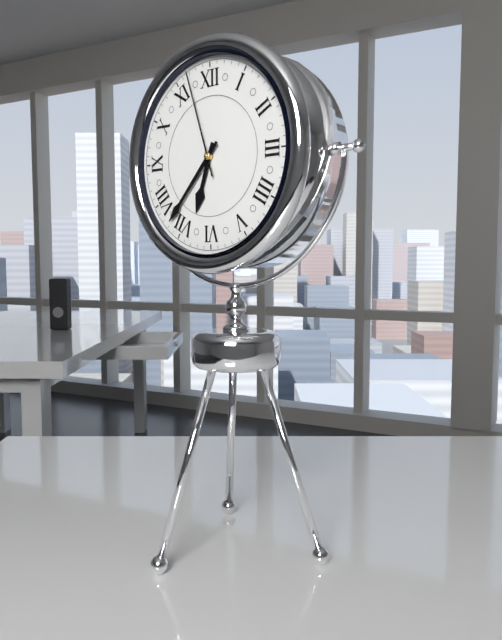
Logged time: {"hour": 6, "minute": 37, "second": 57}
